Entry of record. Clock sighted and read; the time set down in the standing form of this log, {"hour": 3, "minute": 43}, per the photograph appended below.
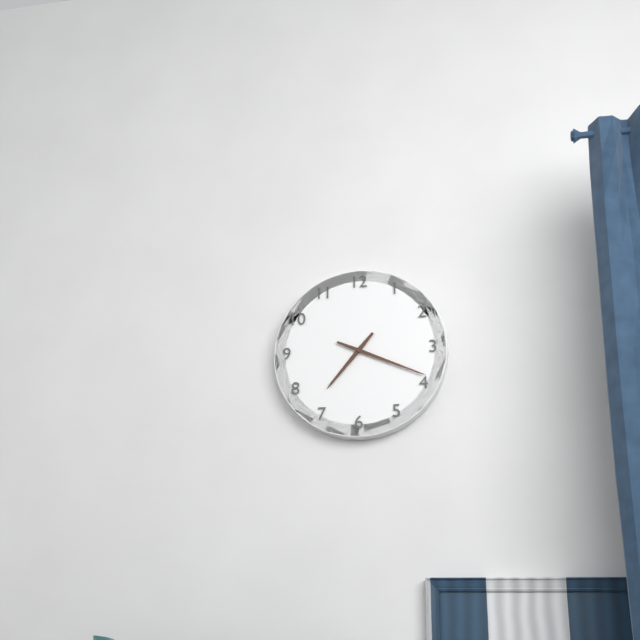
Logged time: {"hour": 7, "minute": 19}
